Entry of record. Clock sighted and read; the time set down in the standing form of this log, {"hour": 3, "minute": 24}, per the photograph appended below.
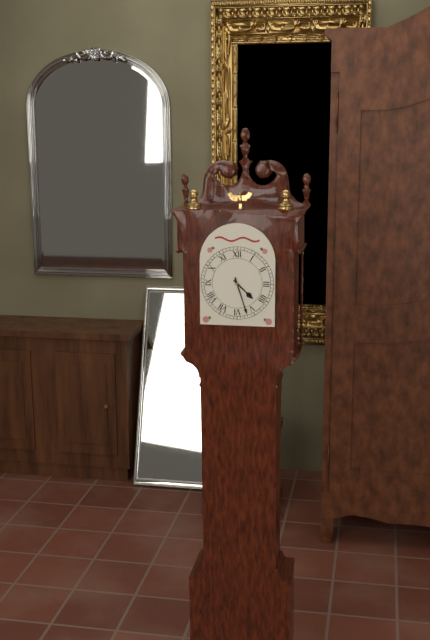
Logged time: {"hour": 4, "minute": 27}
